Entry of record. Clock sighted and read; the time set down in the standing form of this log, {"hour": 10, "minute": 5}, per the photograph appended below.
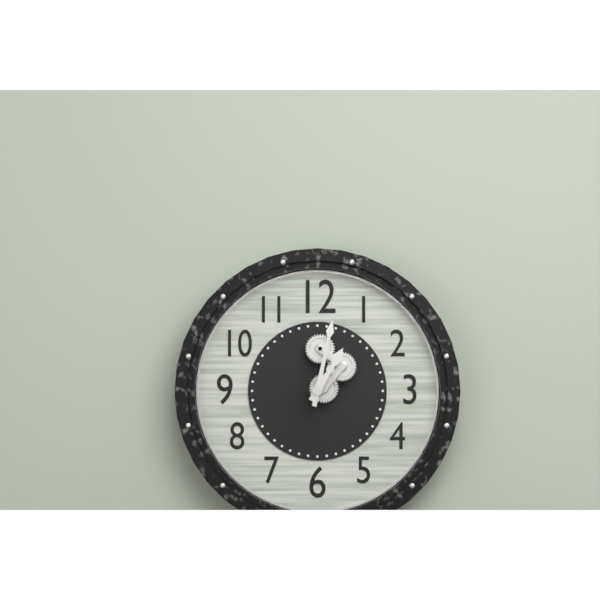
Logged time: {"hour": 1, "minute": 2}
